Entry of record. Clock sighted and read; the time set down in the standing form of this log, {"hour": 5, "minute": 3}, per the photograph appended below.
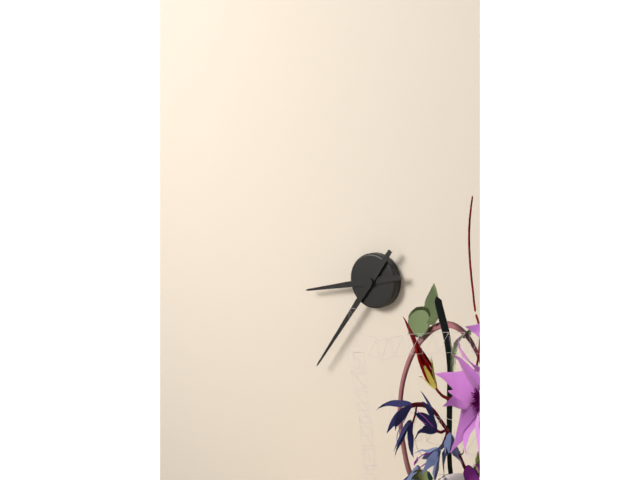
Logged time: {"hour": 8, "minute": 36}
